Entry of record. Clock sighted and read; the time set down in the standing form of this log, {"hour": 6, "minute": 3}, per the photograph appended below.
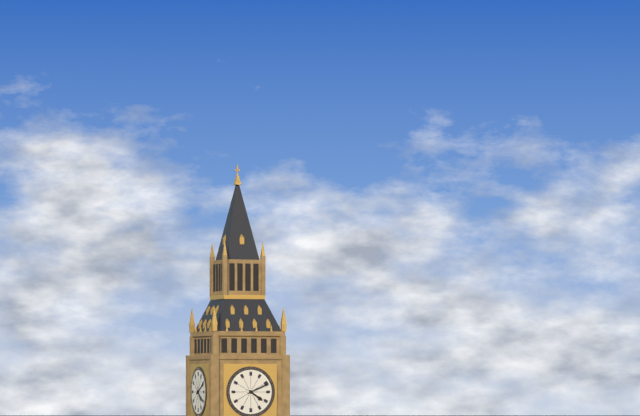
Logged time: {"hour": 4, "minute": 11}
